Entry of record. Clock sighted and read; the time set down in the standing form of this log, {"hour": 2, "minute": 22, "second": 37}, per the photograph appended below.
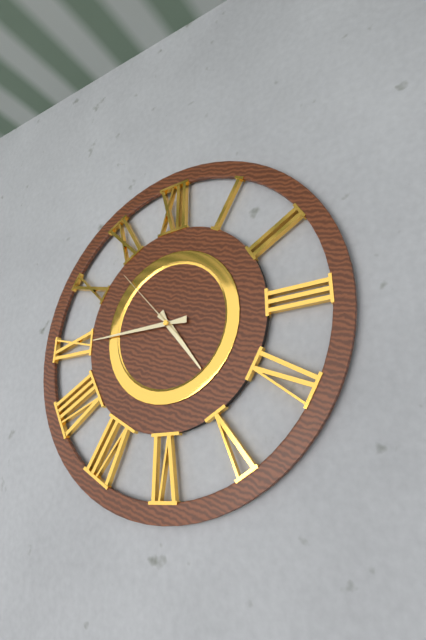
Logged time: {"hour": 4, "minute": 45, "second": 53}
